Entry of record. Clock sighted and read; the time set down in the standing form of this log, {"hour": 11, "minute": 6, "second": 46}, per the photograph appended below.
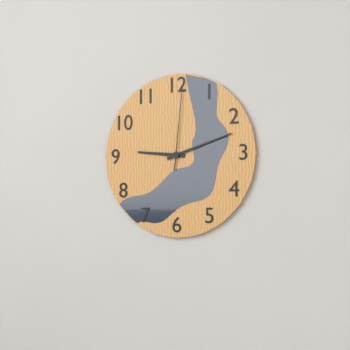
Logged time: {"hour": 9, "minute": 12, "second": 1}
